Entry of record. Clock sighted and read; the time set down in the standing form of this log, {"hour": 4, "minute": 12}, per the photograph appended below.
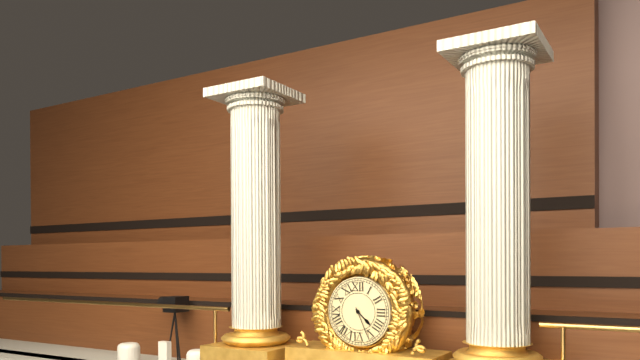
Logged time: {"hour": 4, "minute": 26}
